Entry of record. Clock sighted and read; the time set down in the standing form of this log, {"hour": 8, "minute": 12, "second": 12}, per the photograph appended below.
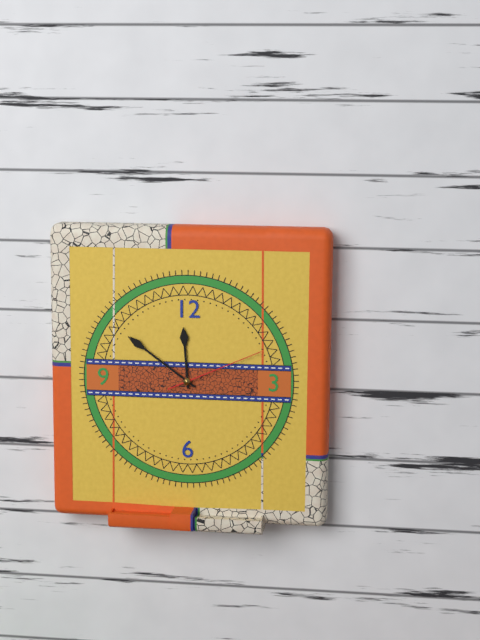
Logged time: {"hour": 11, "minute": 51, "second": 11}
